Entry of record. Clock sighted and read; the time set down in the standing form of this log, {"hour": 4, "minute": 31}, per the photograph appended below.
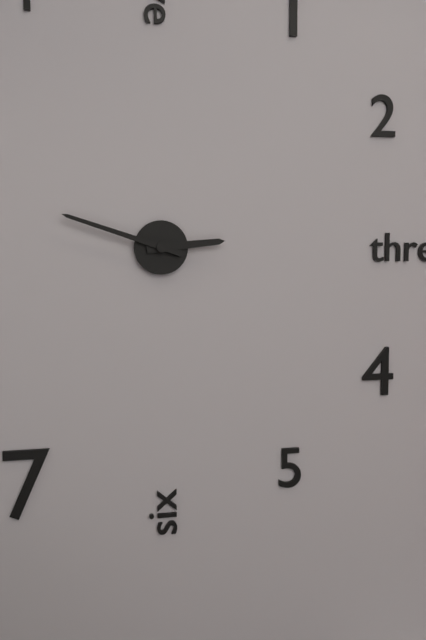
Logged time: {"hour": 2, "minute": 48}
